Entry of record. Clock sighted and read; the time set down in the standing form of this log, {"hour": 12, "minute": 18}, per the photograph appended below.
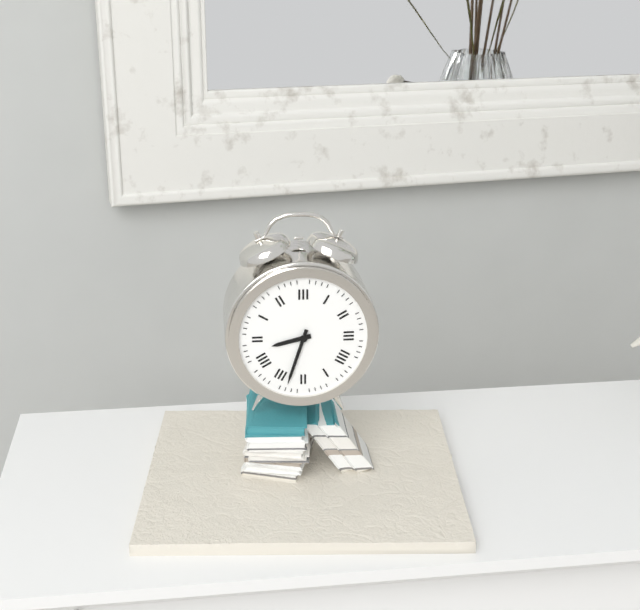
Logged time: {"hour": 8, "minute": 33}
